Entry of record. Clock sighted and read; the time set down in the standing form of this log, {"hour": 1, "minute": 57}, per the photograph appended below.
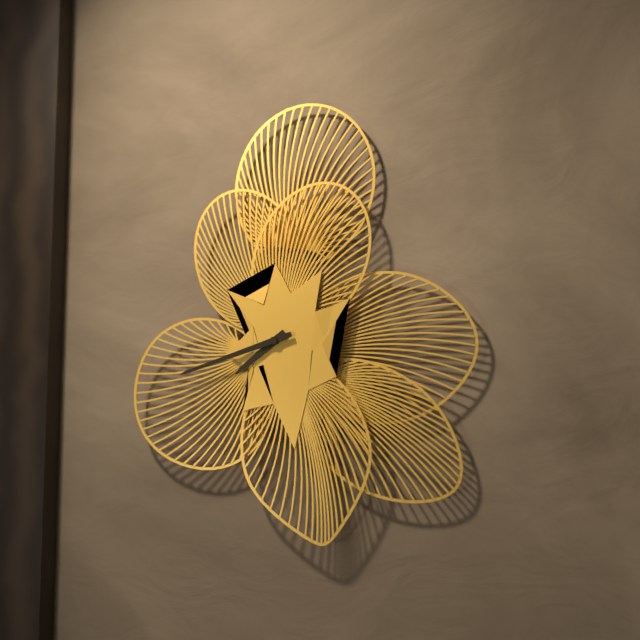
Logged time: {"hour": 7, "minute": 42}
